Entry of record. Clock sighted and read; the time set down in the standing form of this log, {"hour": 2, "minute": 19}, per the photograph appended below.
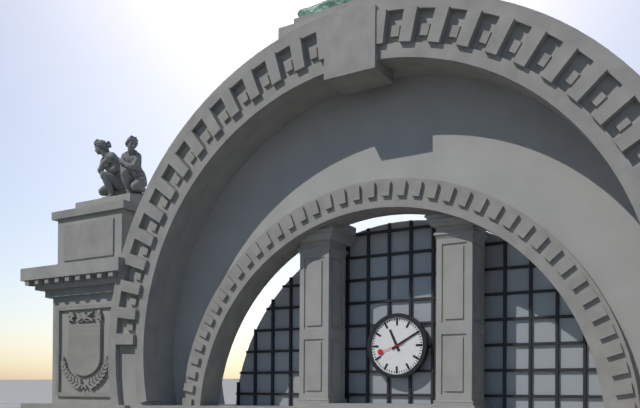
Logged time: {"hour": 11, "minute": 10}
